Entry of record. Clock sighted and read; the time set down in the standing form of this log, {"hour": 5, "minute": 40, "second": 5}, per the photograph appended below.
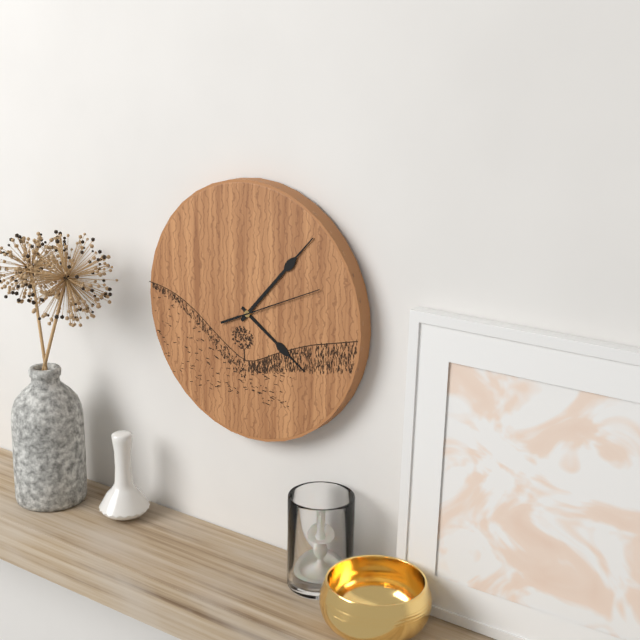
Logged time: {"hour": 4, "minute": 7, "second": 11}
